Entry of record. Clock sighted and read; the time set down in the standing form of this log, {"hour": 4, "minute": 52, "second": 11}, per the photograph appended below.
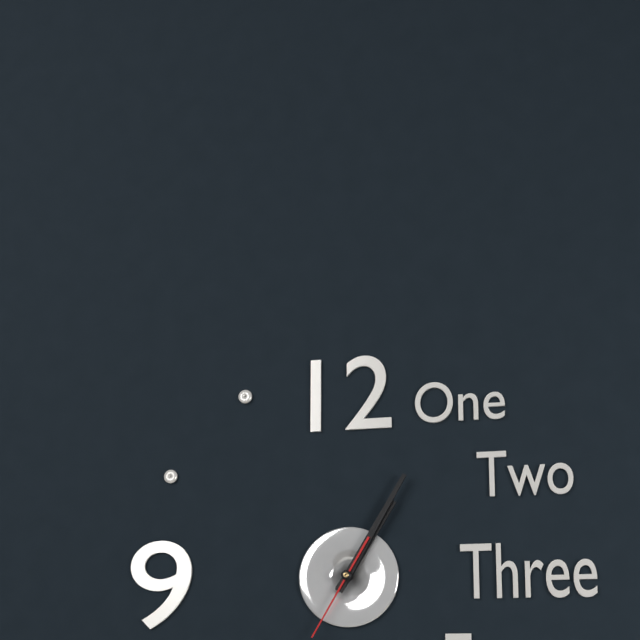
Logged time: {"hour": 1, "minute": 5, "second": 35}
